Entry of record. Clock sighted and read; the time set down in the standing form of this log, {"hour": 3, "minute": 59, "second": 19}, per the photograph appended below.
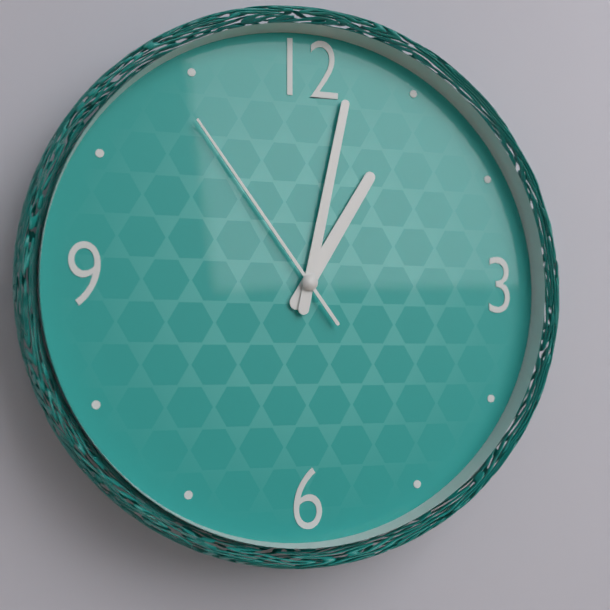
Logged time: {"hour": 1, "minute": 2, "second": 54}
